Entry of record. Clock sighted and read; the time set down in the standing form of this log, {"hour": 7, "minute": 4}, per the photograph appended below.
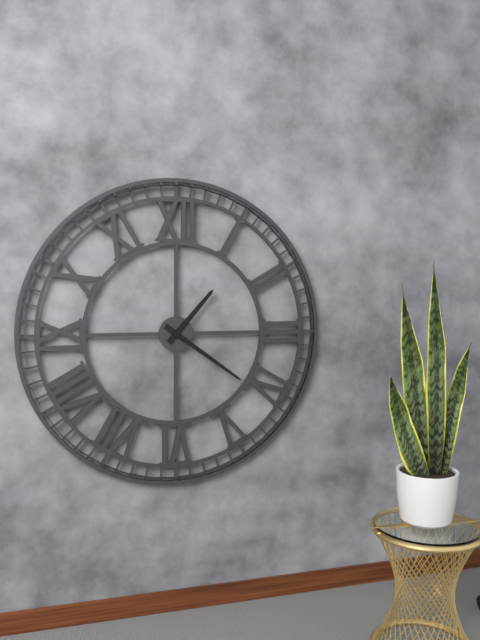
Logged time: {"hour": 1, "minute": 21}
